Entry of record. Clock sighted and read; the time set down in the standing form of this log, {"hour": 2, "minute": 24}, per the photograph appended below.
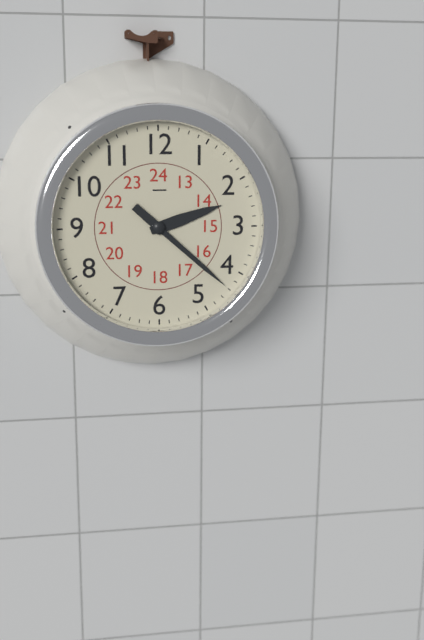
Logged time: {"hour": 2, "minute": 22}
